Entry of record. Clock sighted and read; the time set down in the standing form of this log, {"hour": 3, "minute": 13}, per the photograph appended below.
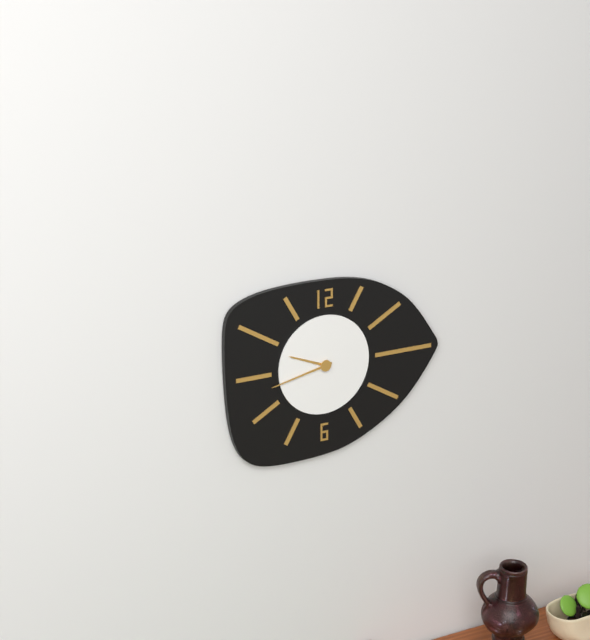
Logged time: {"hour": 9, "minute": 43}
